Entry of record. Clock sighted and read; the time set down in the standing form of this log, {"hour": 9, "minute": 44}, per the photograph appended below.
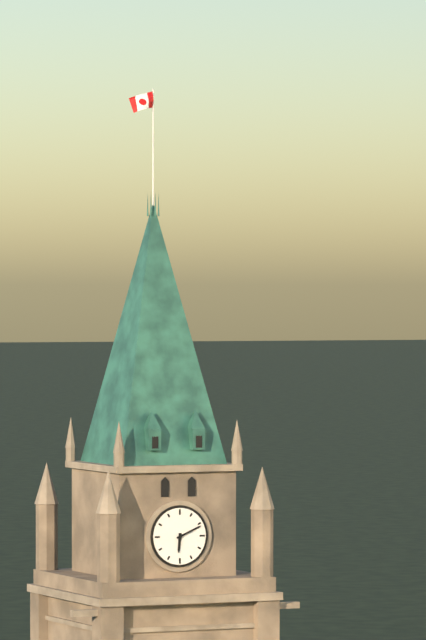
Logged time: {"hour": 6, "minute": 11}
